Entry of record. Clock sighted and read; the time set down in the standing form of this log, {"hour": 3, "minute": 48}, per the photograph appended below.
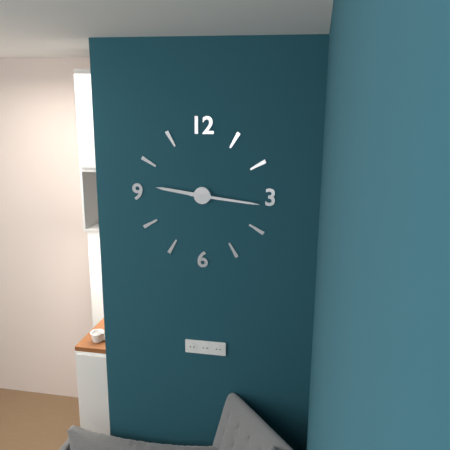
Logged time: {"hour": 9, "minute": 16}
